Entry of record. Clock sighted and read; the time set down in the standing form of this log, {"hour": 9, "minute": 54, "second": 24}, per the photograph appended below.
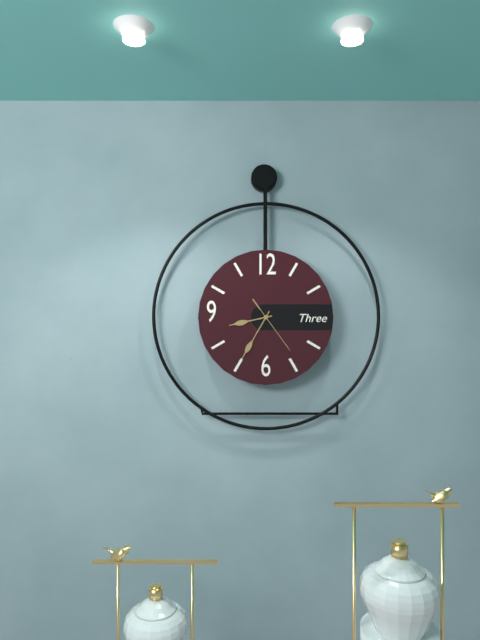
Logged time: {"hour": 8, "minute": 35, "second": 24}
